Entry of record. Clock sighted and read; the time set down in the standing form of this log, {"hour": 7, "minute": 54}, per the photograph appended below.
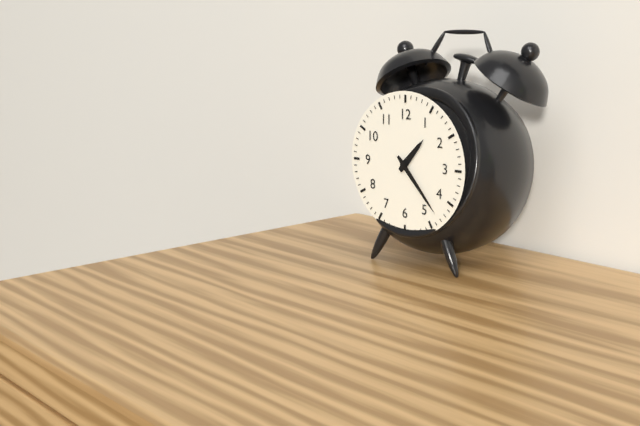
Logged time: {"hour": 1, "minute": 23}
